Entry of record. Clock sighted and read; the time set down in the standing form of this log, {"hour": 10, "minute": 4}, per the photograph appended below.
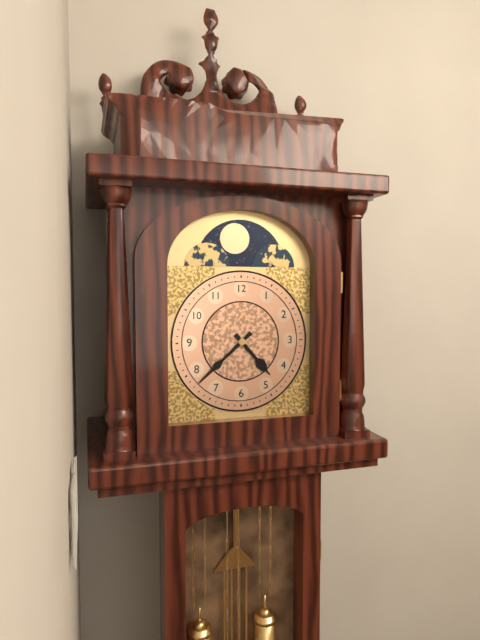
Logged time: {"hour": 4, "minute": 38}
